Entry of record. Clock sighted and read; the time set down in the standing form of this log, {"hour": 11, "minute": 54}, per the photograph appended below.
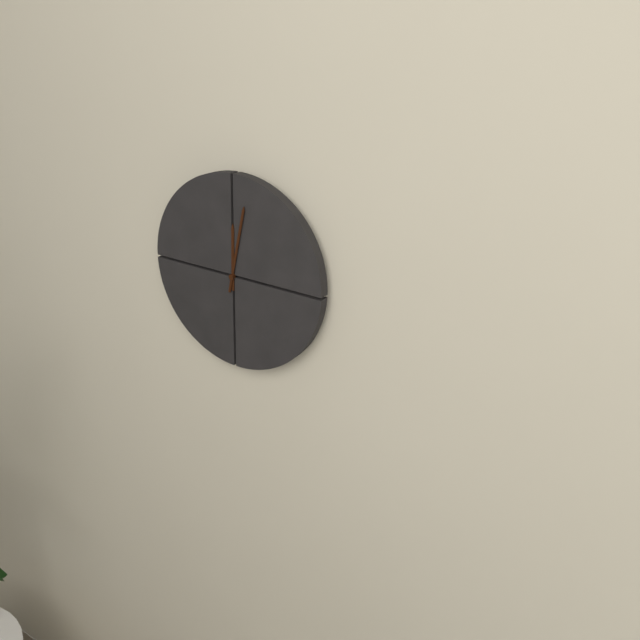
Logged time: {"hour": 12, "minute": 2}
